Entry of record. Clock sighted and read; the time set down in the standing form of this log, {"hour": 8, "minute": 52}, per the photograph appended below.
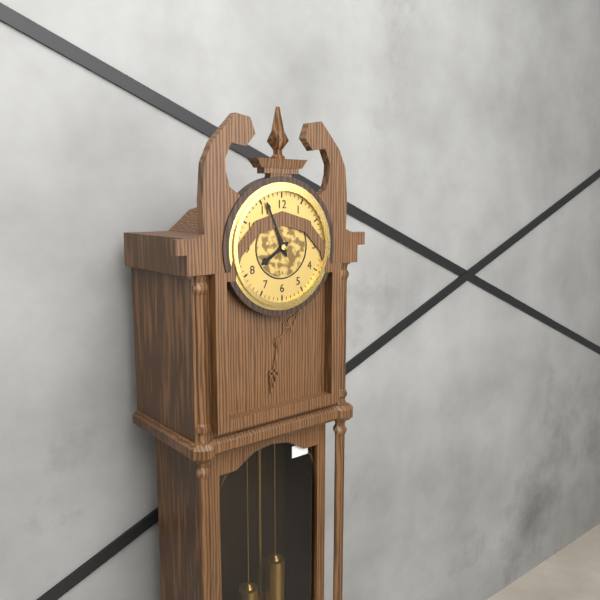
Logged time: {"hour": 7, "minute": 56}
